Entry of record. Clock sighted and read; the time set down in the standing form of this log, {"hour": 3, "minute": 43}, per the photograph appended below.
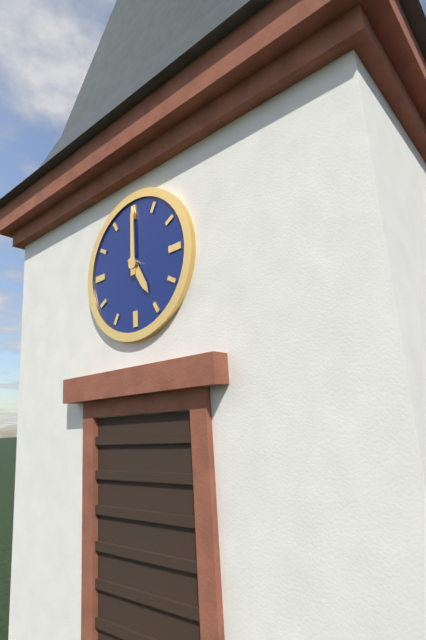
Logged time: {"hour": 5, "minute": 0}
